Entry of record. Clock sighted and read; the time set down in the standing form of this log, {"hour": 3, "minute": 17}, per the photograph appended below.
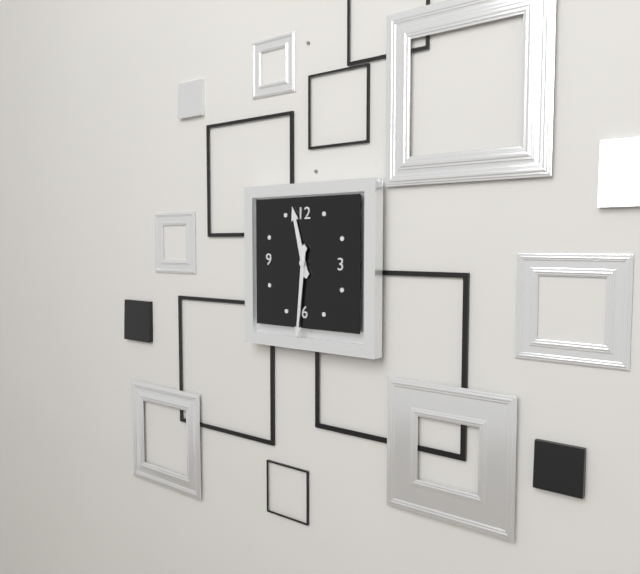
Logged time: {"hour": 11, "minute": 31}
